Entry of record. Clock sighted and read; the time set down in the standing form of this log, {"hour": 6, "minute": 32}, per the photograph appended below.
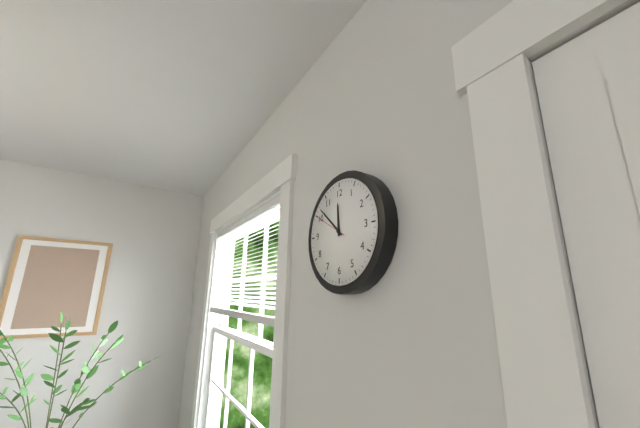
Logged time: {"hour": 11, "minute": 52}
